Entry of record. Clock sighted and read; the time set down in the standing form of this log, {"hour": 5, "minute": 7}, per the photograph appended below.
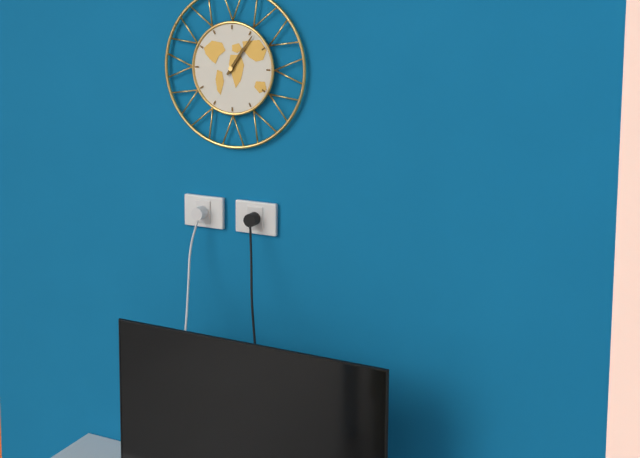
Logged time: {"hour": 1, "minute": 6}
